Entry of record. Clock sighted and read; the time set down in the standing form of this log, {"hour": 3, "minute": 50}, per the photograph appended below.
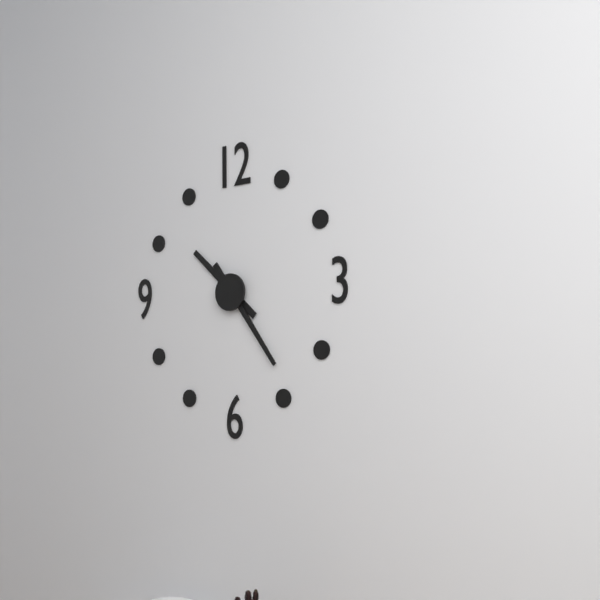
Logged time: {"hour": 10, "minute": 24}
